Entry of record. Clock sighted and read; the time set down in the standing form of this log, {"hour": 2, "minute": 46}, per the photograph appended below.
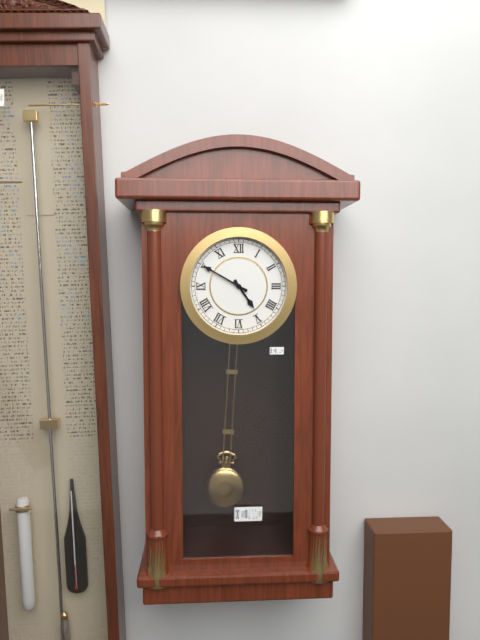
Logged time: {"hour": 4, "minute": 50}
